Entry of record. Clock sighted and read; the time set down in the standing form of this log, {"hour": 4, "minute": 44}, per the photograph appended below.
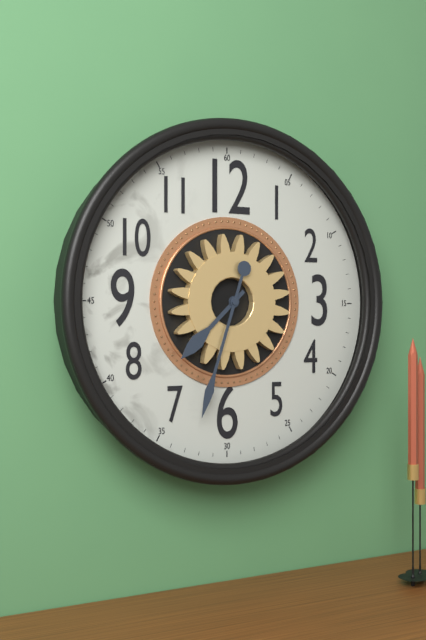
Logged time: {"hour": 7, "minute": 33}
